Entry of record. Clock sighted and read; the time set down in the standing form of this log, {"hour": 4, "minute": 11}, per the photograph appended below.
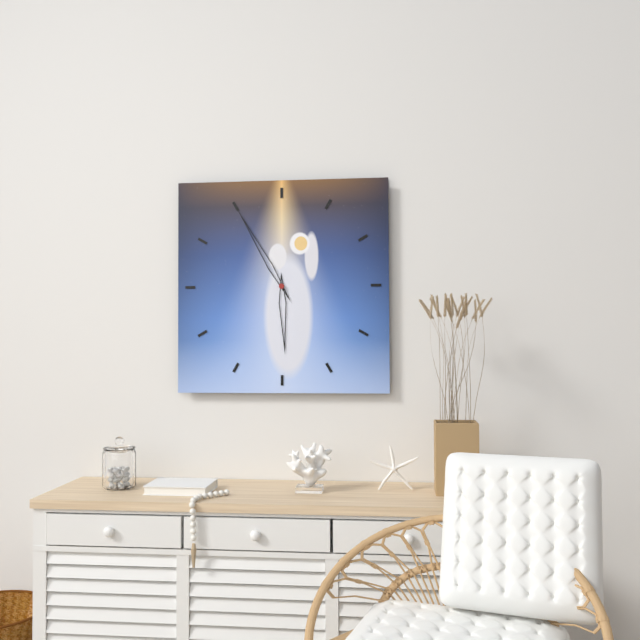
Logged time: {"hour": 5, "minute": 55}
